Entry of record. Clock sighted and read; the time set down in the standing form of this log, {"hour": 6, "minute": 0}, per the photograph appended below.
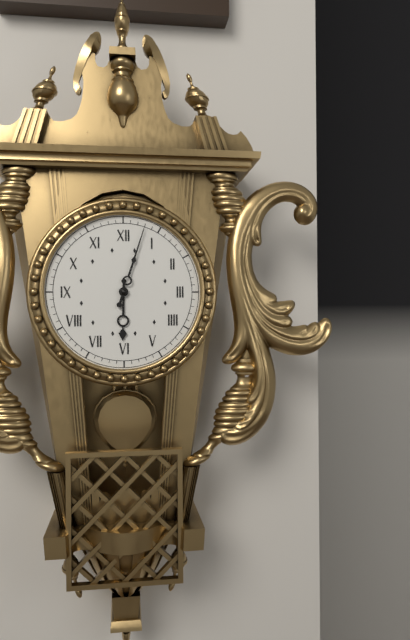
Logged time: {"hour": 6, "minute": 3}
